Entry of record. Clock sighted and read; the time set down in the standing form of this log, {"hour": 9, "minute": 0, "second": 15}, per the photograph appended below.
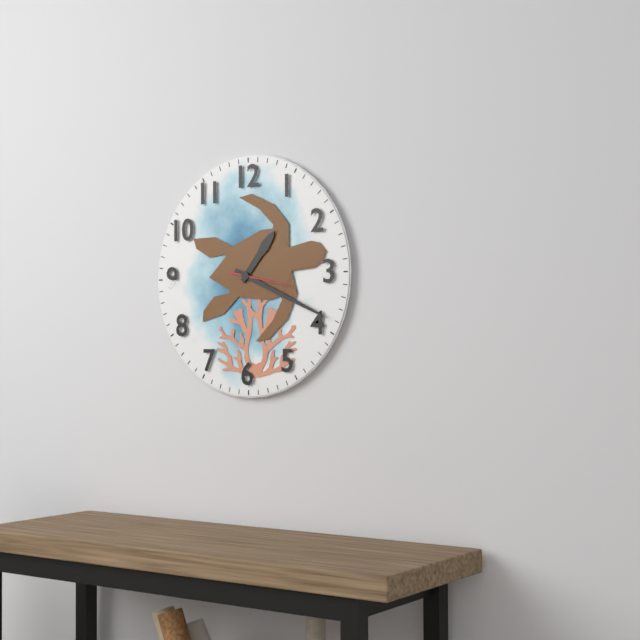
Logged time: {"hour": 1, "minute": 19, "second": 17}
